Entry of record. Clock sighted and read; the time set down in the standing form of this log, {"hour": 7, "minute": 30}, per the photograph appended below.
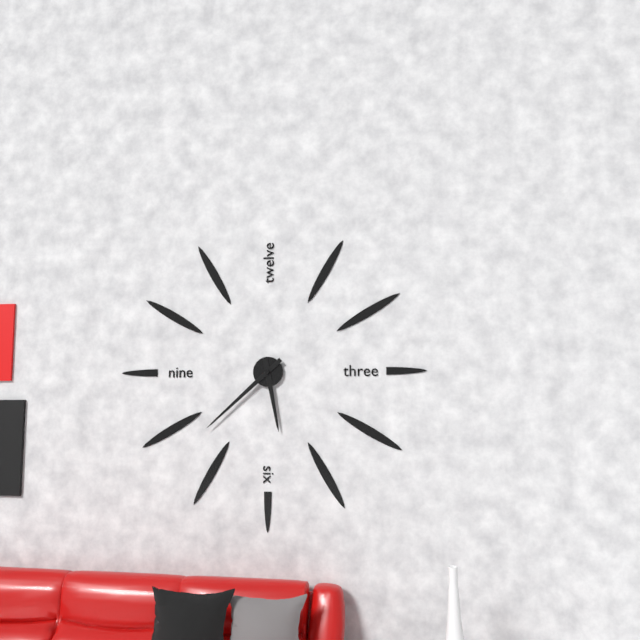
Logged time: {"hour": 5, "minute": 38}
